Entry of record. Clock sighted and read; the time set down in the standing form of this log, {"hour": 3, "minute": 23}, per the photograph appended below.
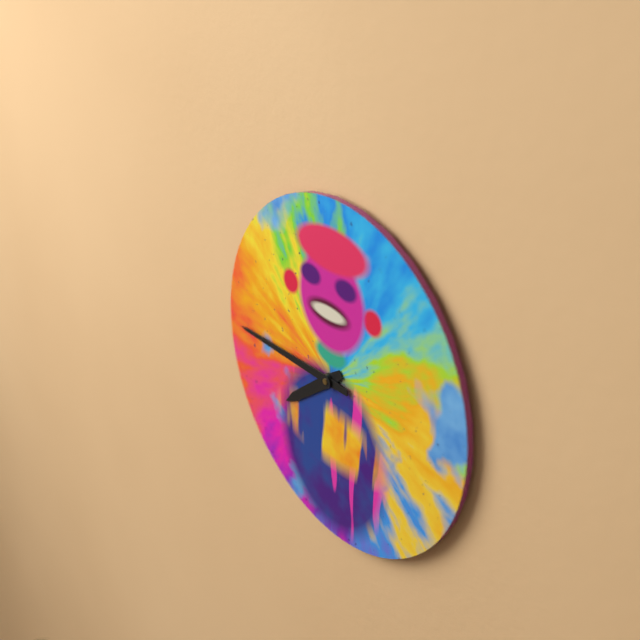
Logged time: {"hour": 7, "minute": 45}
